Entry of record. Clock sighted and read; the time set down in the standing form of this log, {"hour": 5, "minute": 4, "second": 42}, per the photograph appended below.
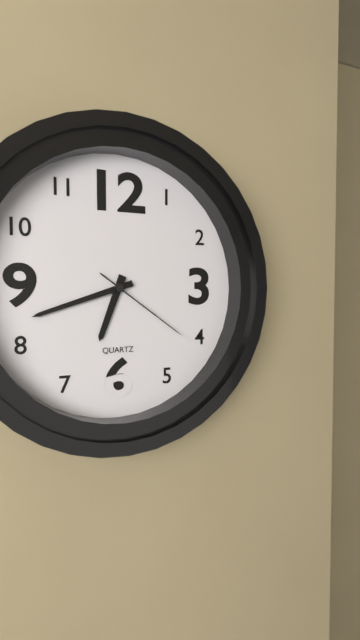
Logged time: {"hour": 6, "minute": 42, "second": 21}
